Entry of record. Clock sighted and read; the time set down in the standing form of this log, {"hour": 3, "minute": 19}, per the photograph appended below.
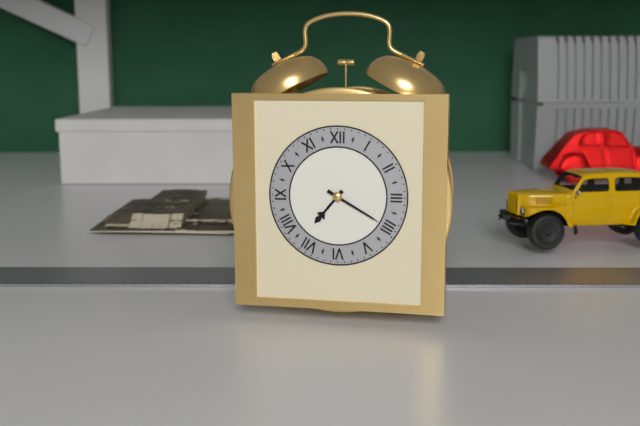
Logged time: {"hour": 7, "minute": 20}
